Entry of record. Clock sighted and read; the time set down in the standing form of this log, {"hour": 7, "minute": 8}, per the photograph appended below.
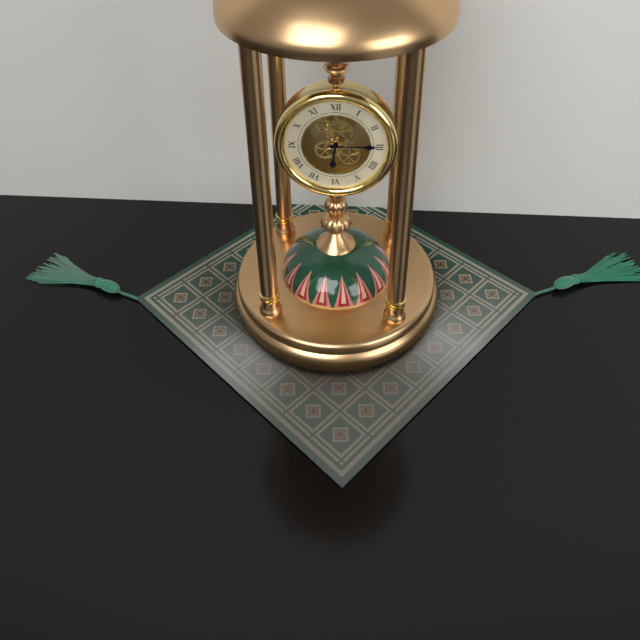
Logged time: {"hour": 6, "minute": 15}
